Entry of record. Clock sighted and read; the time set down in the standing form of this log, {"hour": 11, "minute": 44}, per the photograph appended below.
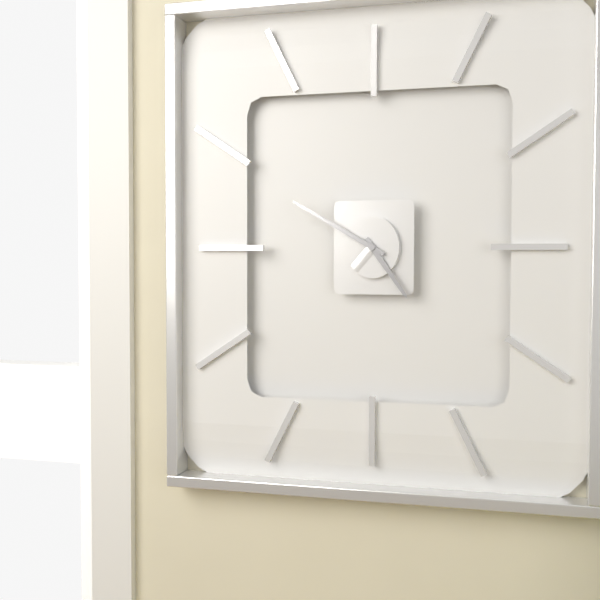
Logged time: {"hour": 4, "minute": 50}
